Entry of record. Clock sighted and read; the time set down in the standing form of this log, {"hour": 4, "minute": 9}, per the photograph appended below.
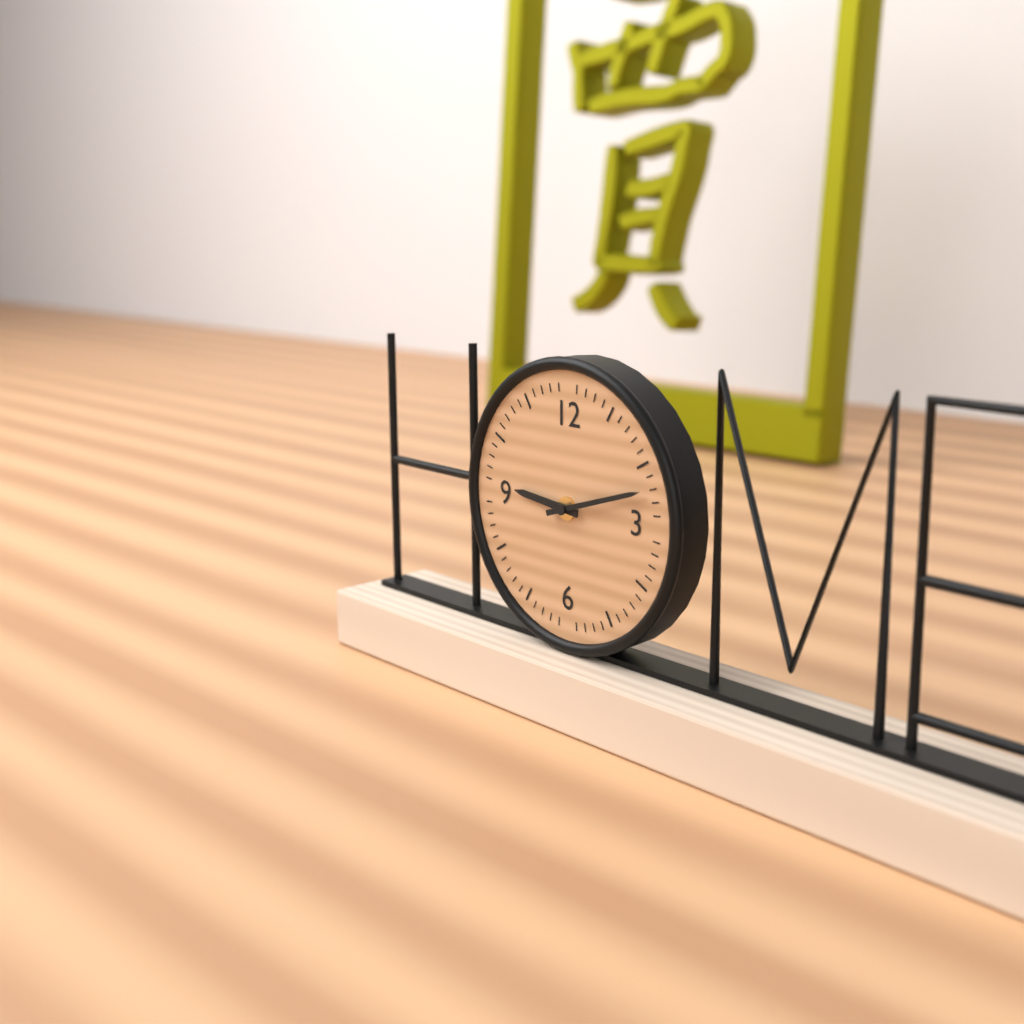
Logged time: {"hour": 9, "minute": 12}
